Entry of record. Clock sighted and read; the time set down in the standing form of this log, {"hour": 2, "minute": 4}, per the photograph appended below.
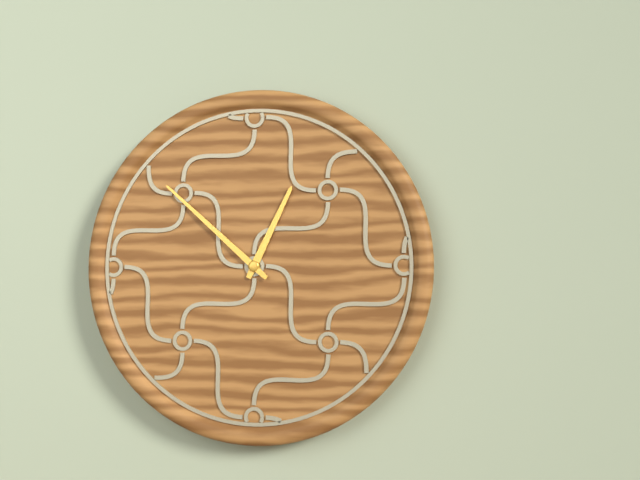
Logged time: {"hour": 12, "minute": 52}
